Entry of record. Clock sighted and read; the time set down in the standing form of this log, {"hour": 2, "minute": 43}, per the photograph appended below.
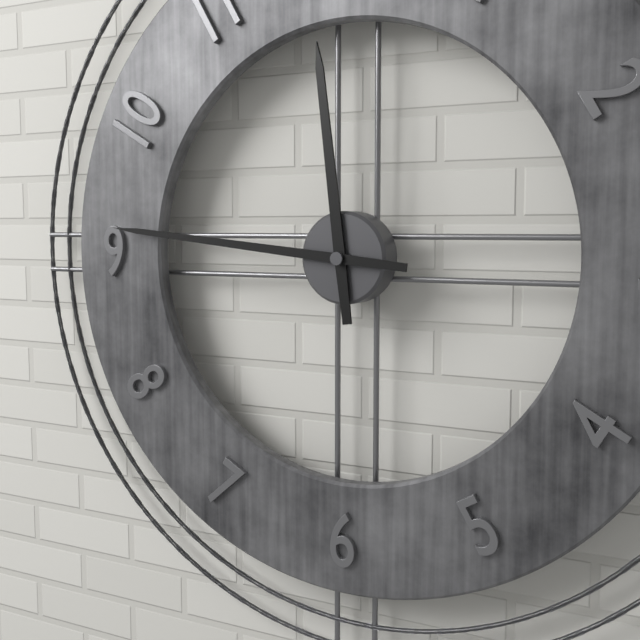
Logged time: {"hour": 11, "minute": 46}
